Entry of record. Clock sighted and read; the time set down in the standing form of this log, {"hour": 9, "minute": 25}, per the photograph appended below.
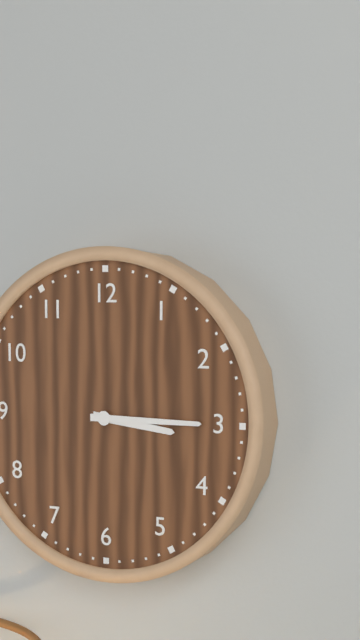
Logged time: {"hour": 3, "minute": 15}
